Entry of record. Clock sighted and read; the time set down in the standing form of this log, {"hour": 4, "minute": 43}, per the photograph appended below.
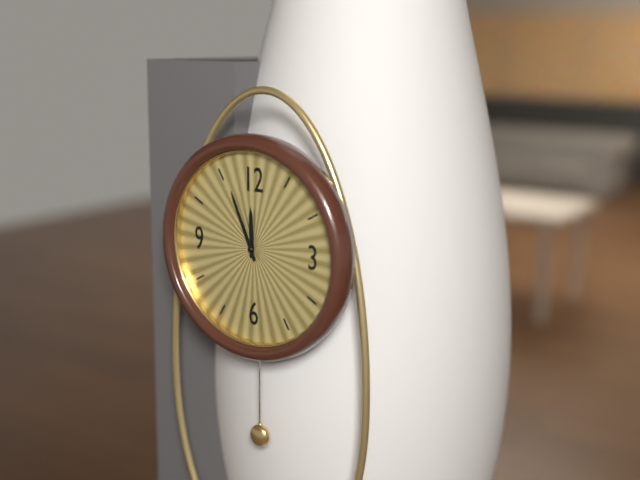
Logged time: {"hour": 11, "minute": 56}
